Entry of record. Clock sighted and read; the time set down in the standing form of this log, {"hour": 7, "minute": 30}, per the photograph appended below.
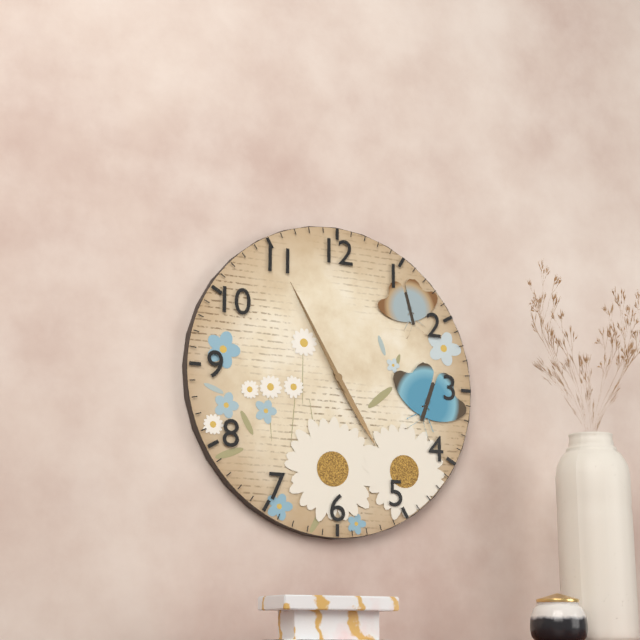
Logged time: {"hour": 4, "minute": 55}
